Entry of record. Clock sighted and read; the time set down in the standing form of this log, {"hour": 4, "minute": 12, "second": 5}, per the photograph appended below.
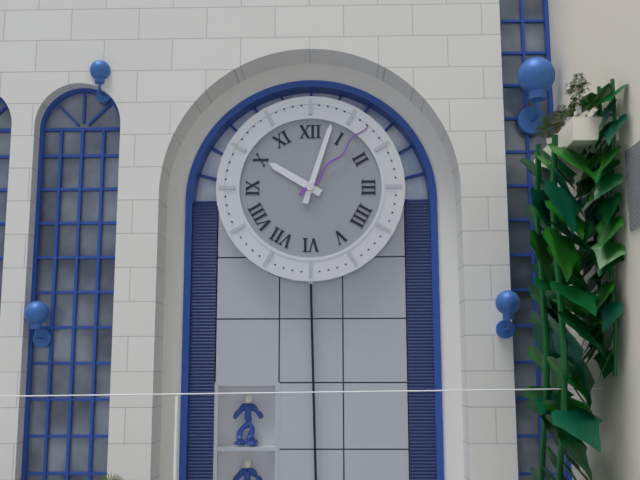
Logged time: {"hour": 10, "minute": 3, "second": 7}
